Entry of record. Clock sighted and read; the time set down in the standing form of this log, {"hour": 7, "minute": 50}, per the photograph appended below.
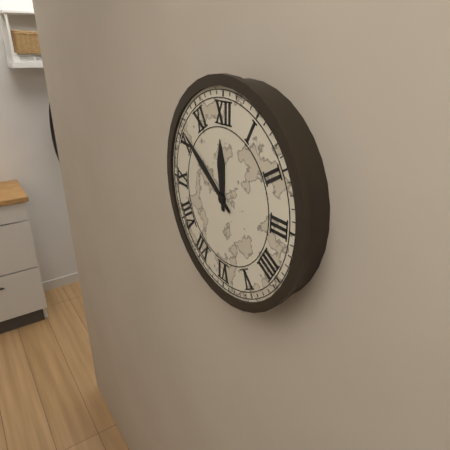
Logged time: {"hour": 11, "minute": 51}
